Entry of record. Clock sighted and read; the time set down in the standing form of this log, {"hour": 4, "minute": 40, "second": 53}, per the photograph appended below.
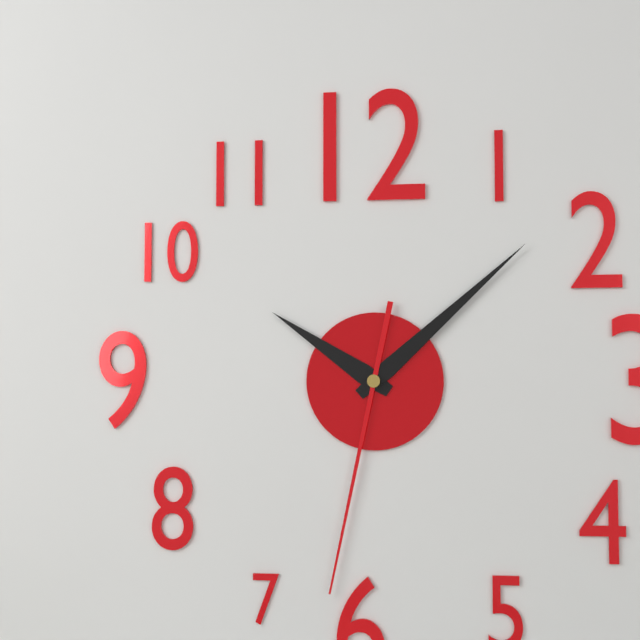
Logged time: {"hour": 10, "minute": 8, "second": 32}
